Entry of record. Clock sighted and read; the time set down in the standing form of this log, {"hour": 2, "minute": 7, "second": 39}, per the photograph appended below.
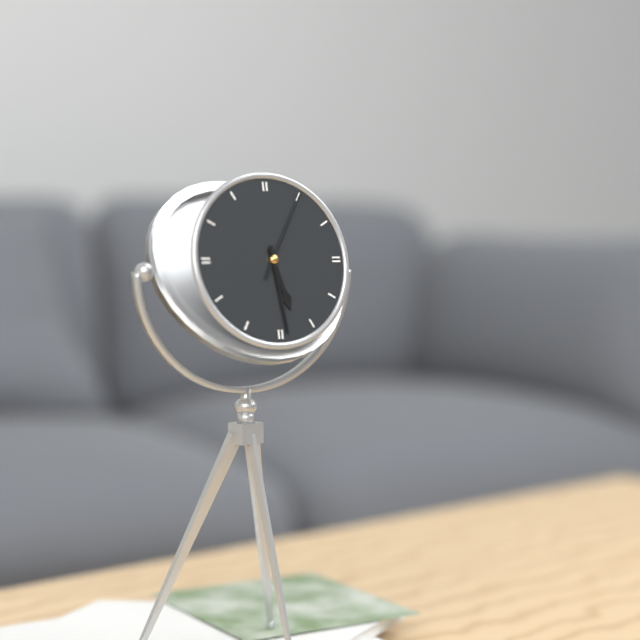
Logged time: {"hour": 5, "minute": 29, "second": 5}
